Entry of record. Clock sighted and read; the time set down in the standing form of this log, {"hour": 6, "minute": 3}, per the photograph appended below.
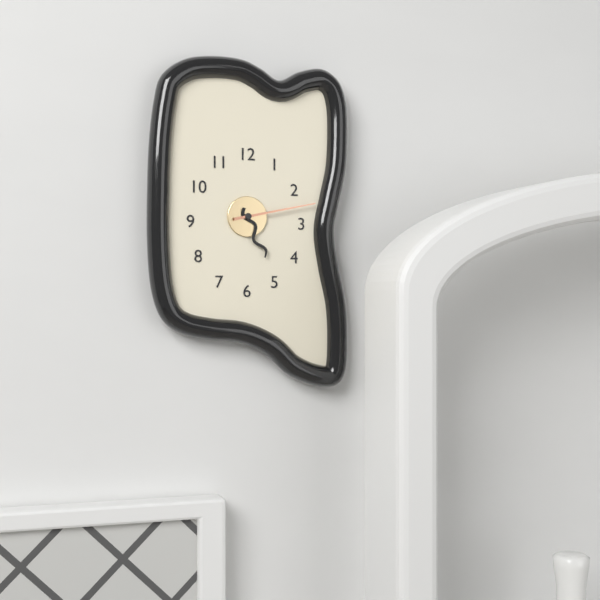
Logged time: {"hour": 5, "minute": 13}
